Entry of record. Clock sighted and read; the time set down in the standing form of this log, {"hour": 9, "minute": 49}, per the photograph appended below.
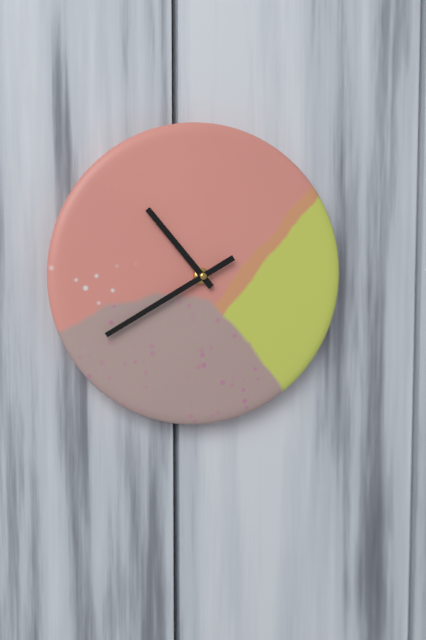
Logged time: {"hour": 10, "minute": 40}
